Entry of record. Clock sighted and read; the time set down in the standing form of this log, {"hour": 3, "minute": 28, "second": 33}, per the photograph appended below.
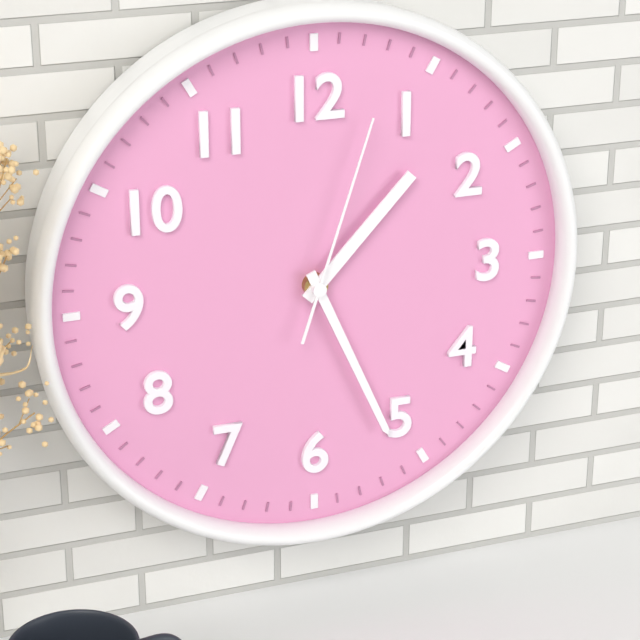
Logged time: {"hour": 1, "minute": 26, "second": 3}
